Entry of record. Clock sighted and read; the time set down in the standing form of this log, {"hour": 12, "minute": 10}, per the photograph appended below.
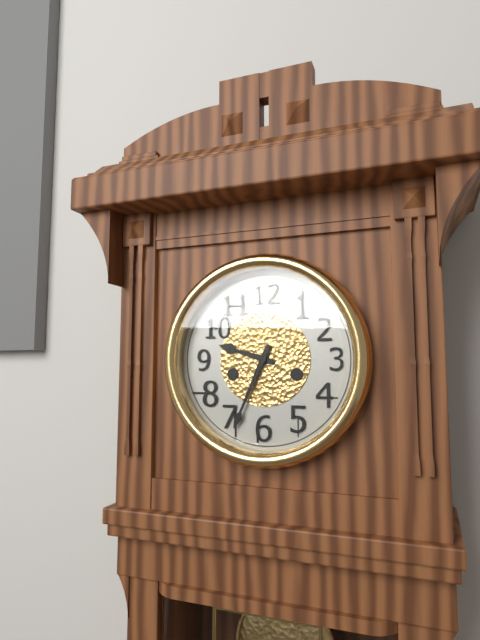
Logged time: {"hour": 9, "minute": 34}
